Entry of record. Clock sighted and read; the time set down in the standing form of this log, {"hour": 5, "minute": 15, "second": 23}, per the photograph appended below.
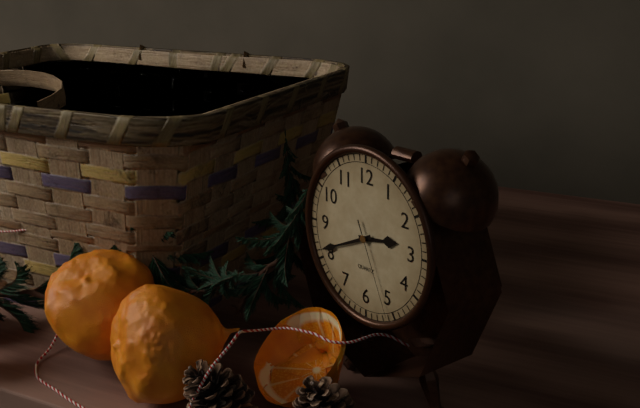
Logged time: {"hour": 2, "minute": 41, "second": 26}
